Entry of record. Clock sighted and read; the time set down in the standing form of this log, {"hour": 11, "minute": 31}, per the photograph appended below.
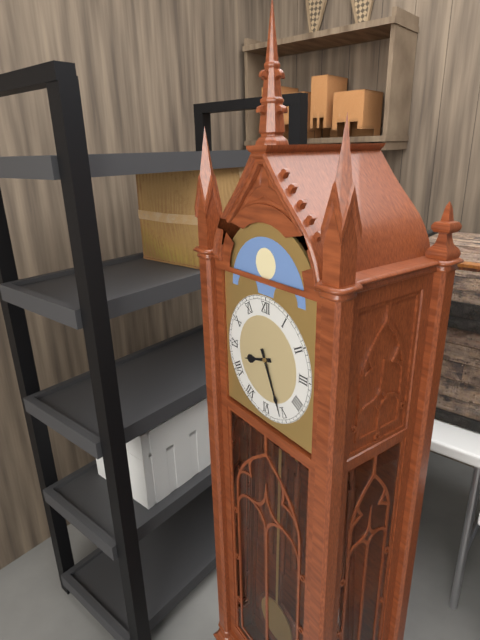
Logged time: {"hour": 8, "minute": 26}
